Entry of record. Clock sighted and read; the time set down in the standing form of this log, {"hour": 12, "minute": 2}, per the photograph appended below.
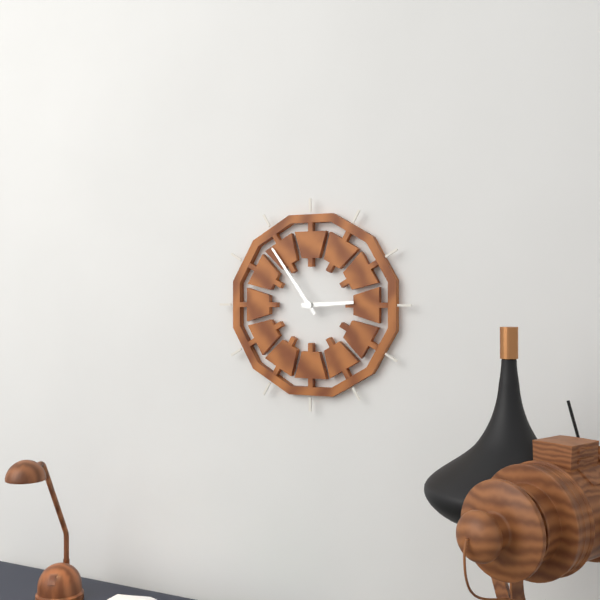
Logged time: {"hour": 2, "minute": 54}
